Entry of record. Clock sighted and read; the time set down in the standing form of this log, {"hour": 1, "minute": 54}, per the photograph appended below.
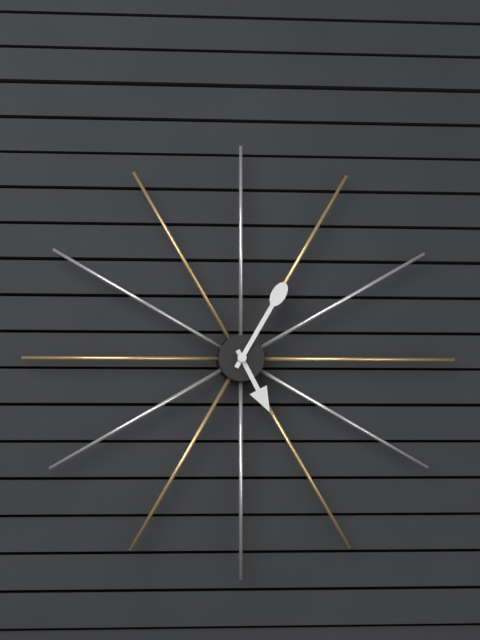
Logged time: {"hour": 5, "minute": 5}
